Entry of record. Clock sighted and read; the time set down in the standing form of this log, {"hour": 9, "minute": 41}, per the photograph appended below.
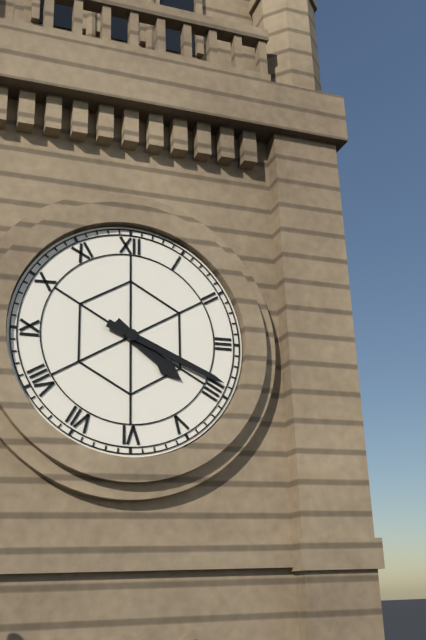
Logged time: {"hour": 4, "minute": 19}
